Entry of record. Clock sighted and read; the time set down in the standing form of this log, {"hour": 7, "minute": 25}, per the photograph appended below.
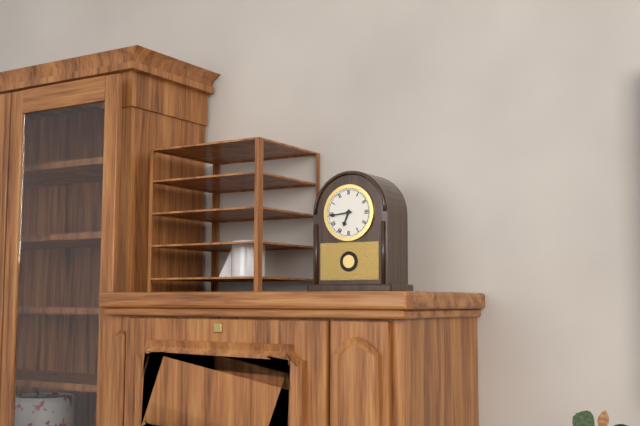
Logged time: {"hour": 6, "minute": 44}
